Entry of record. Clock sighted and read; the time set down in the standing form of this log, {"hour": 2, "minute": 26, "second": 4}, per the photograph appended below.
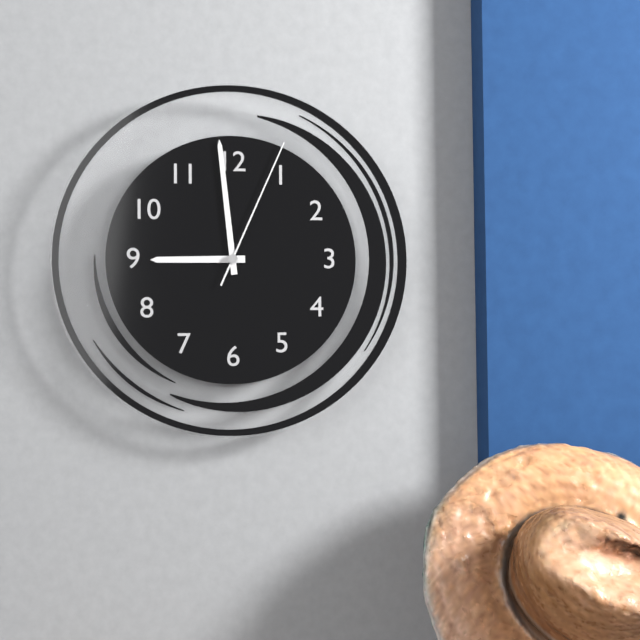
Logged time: {"hour": 8, "minute": 59, "second": 4}
